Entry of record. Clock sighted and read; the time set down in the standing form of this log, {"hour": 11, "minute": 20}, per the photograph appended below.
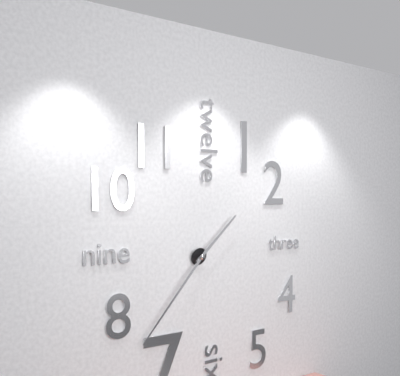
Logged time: {"hour": 1, "minute": 37}
